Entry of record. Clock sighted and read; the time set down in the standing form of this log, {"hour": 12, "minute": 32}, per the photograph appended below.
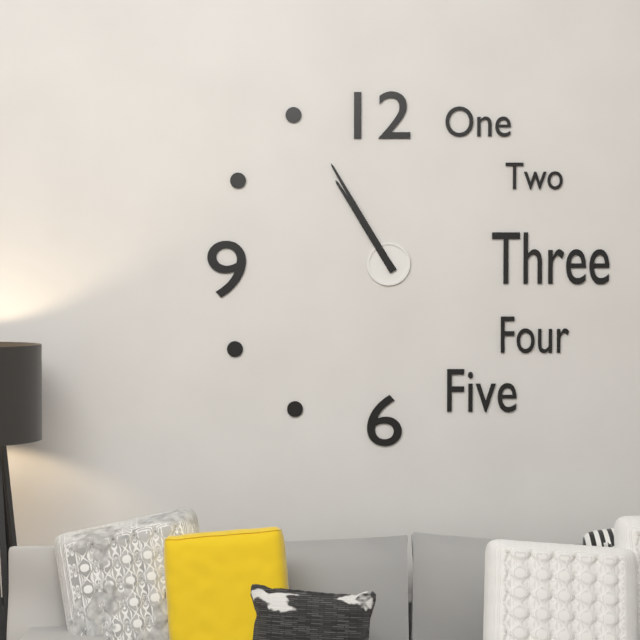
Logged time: {"hour": 10, "minute": 55}
